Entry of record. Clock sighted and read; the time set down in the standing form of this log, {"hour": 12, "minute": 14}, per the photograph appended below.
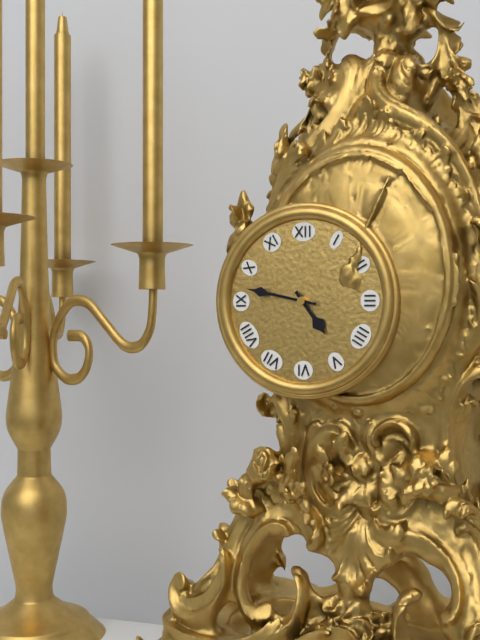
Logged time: {"hour": 4, "minute": 47}
